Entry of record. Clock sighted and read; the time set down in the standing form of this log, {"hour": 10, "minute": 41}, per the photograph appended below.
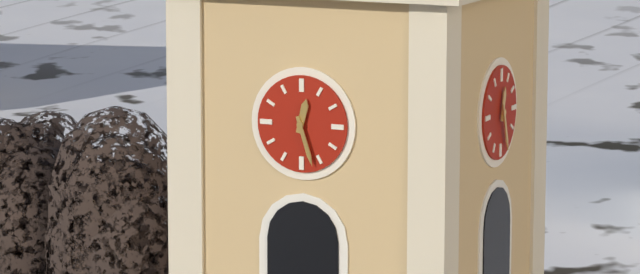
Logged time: {"hour": 12, "minute": 27}
